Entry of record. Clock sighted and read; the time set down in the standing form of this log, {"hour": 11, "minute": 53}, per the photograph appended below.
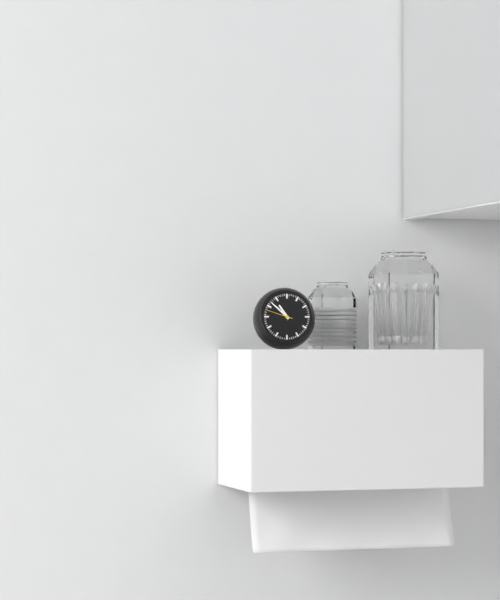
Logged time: {"hour": 10, "minute": 52}
